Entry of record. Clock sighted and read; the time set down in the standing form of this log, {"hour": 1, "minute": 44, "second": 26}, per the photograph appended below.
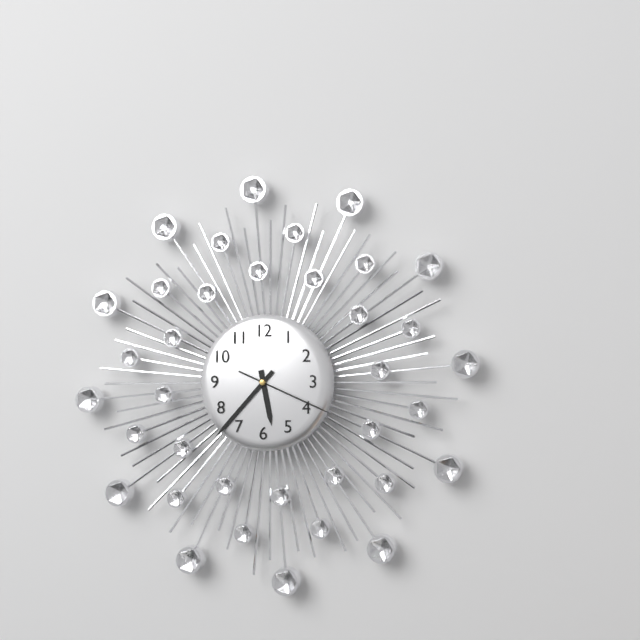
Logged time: {"hour": 5, "minute": 37, "second": 19}
